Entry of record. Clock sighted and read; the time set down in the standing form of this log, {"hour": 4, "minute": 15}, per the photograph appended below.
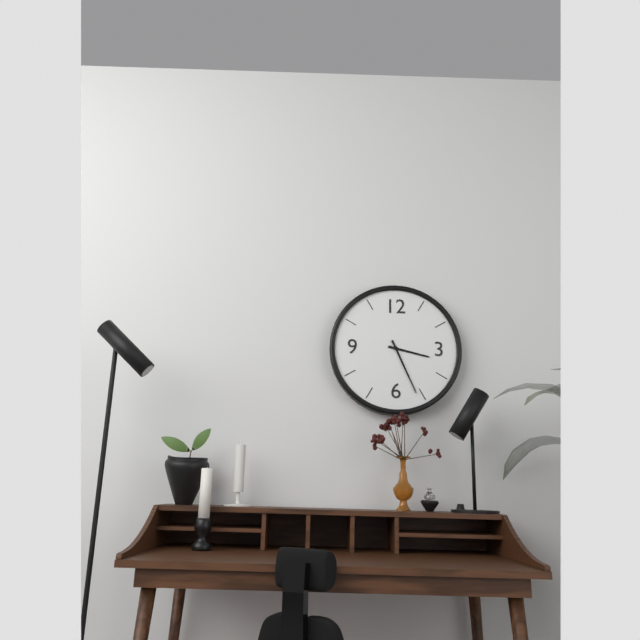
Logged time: {"hour": 3, "minute": 26}
